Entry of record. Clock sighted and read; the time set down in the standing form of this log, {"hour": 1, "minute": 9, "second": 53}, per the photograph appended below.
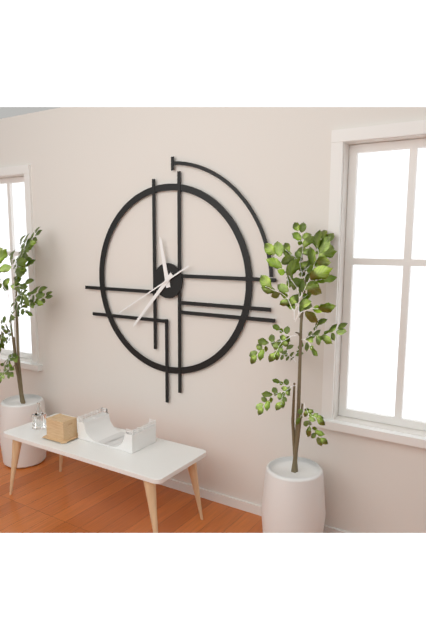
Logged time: {"hour": 11, "minute": 37, "second": 40}
